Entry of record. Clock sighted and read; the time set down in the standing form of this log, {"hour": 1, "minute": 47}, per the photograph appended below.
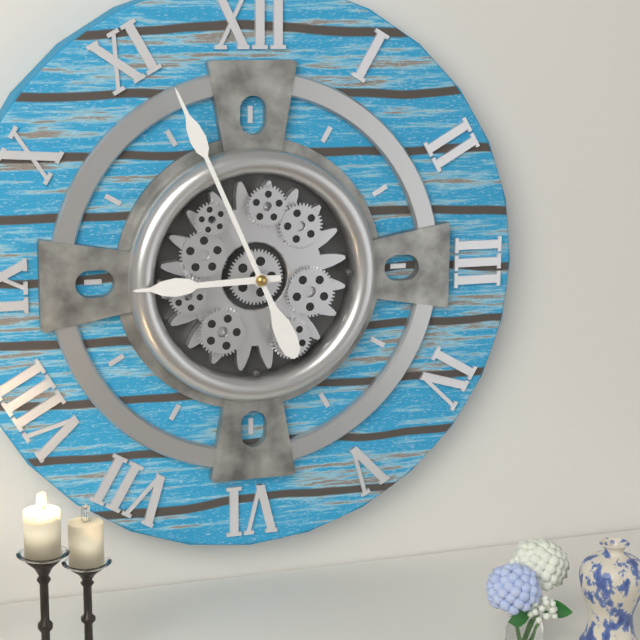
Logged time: {"hour": 8, "minute": 56}
